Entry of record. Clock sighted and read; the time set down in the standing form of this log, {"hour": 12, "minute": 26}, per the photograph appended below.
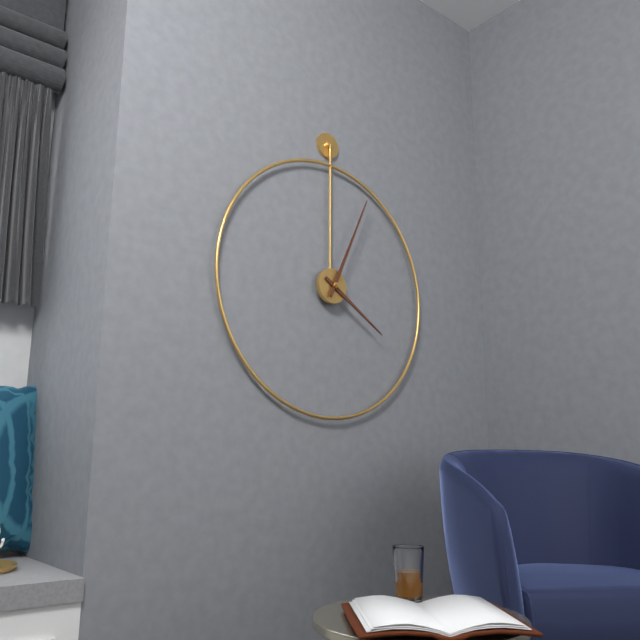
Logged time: {"hour": 4, "minute": 4}
